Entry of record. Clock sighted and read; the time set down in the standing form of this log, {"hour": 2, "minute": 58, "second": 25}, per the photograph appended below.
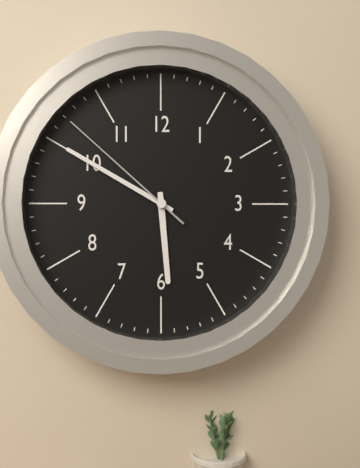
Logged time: {"hour": 5, "minute": 50, "second": 52}
